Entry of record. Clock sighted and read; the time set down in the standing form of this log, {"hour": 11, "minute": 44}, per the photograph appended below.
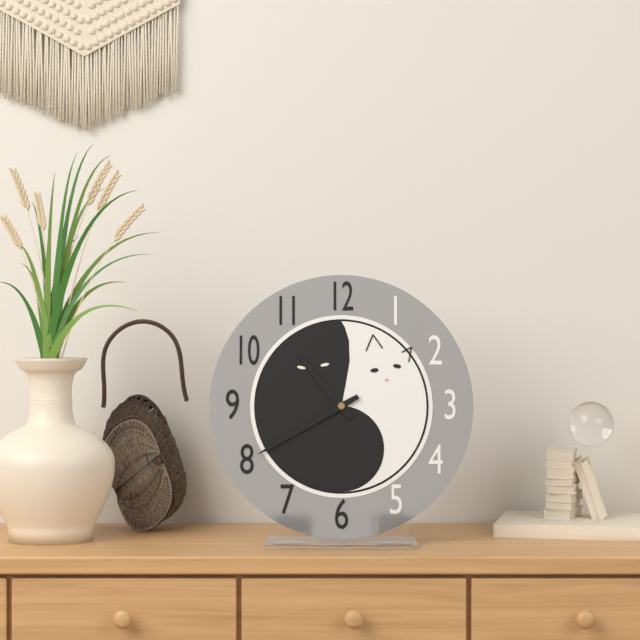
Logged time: {"hour": 10, "minute": 40}
